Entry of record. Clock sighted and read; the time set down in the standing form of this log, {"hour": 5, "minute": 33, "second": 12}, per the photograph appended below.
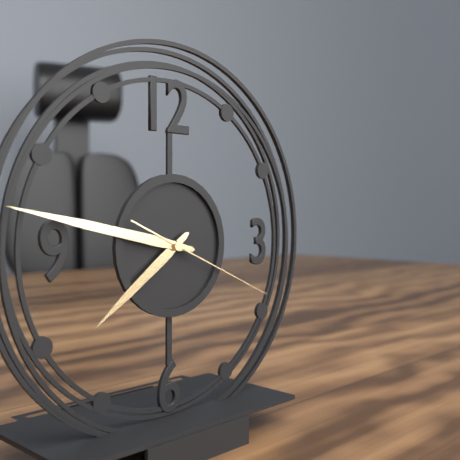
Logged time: {"hour": 7, "minute": 47, "second": 19}
